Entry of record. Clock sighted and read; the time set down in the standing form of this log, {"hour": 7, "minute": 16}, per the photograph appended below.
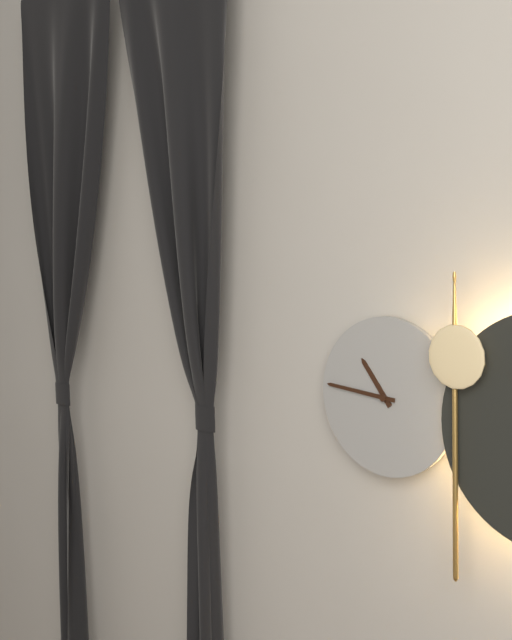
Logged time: {"hour": 10, "minute": 46}
